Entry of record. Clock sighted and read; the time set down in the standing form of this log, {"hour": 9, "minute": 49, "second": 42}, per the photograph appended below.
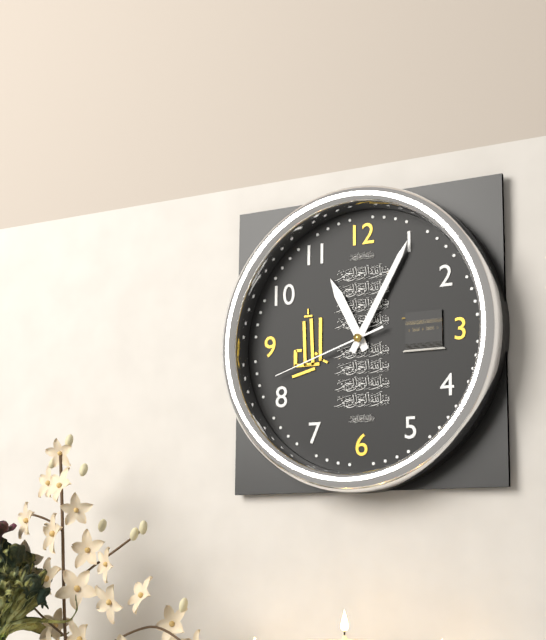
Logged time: {"hour": 11, "minute": 5, "second": 42}
